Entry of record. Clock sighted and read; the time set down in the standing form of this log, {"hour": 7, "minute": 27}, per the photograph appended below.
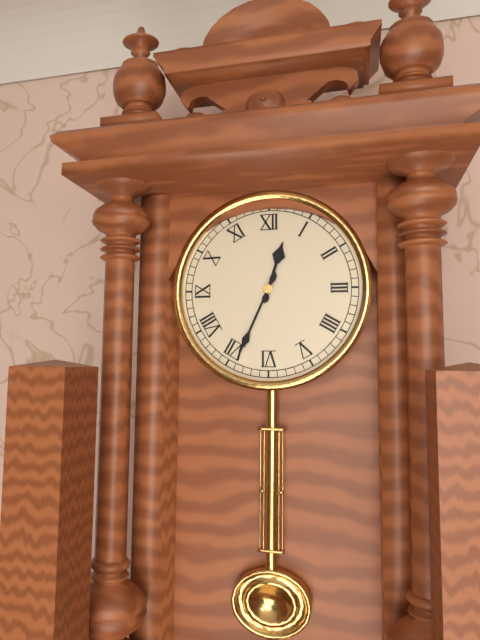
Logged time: {"hour": 12, "minute": 34}
